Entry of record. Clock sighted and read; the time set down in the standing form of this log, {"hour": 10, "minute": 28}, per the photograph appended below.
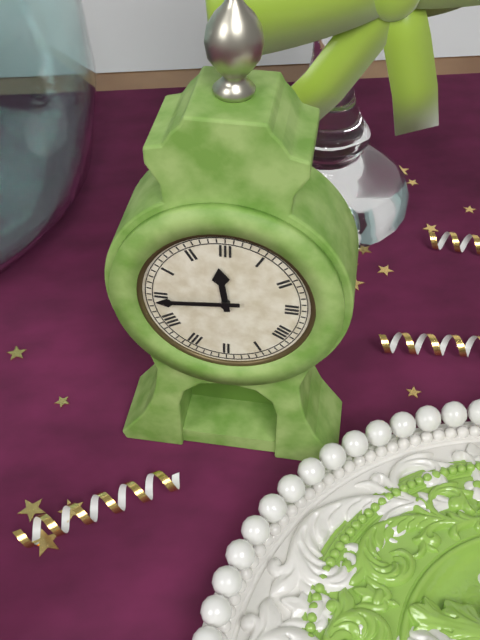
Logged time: {"hour": 11, "minute": 44}
